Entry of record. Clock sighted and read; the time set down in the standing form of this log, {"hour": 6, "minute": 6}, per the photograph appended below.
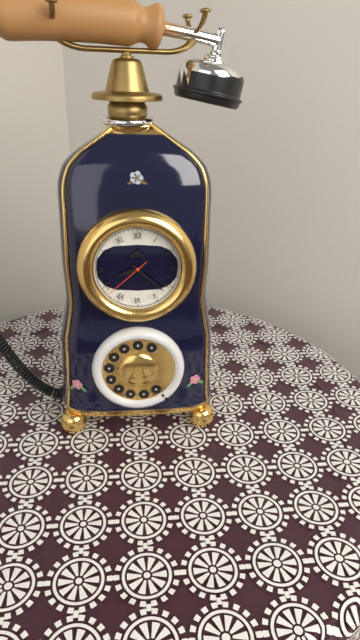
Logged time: {"hour": 8, "minute": 22}
